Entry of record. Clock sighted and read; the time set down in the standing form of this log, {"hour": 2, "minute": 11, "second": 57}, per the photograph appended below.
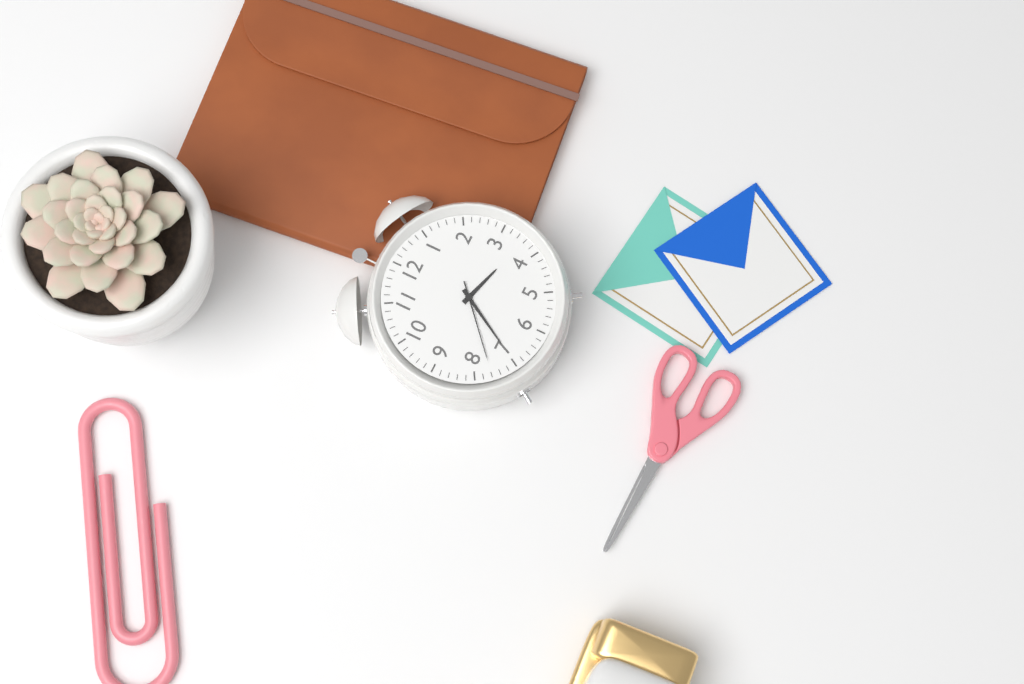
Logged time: {"hour": 3, "minute": 35, "second": 38}
